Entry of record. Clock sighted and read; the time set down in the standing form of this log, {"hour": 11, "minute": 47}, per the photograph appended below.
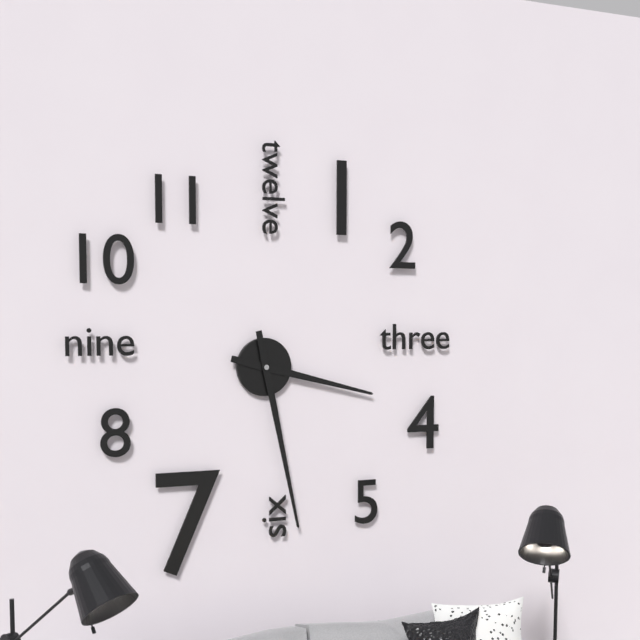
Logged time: {"hour": 3, "minute": 28}
